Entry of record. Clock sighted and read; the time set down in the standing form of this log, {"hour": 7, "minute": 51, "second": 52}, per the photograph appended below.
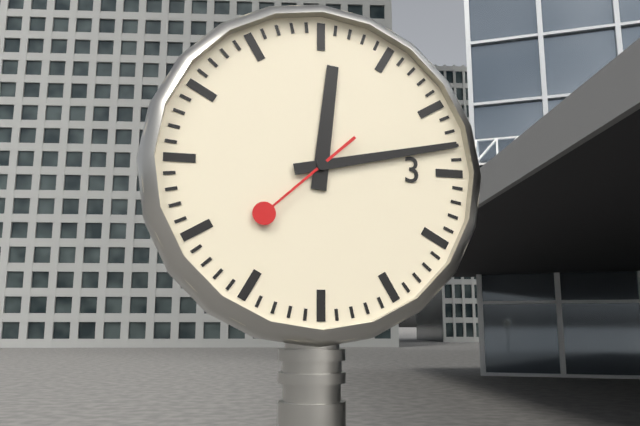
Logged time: {"hour": 12, "minute": 13, "second": 38}
